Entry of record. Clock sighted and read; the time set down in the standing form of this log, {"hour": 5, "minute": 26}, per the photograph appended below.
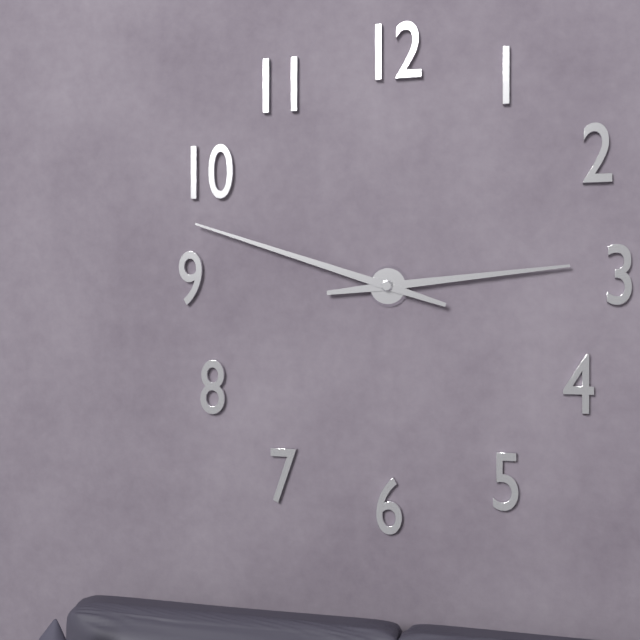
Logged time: {"hour": 2, "minute": 48}
